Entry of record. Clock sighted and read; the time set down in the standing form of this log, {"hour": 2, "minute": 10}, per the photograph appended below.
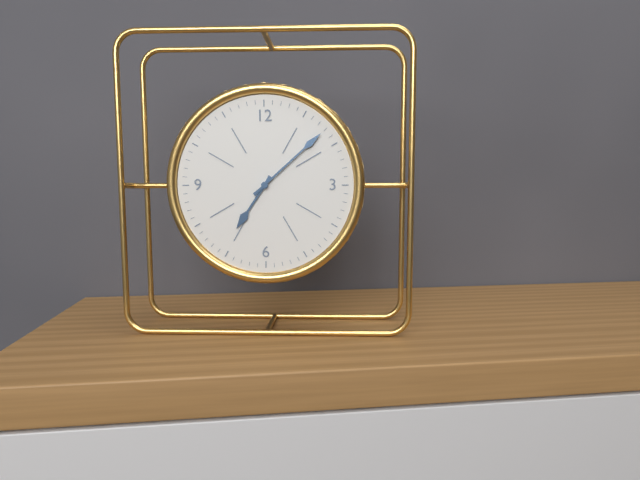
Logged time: {"hour": 7, "minute": 8}
